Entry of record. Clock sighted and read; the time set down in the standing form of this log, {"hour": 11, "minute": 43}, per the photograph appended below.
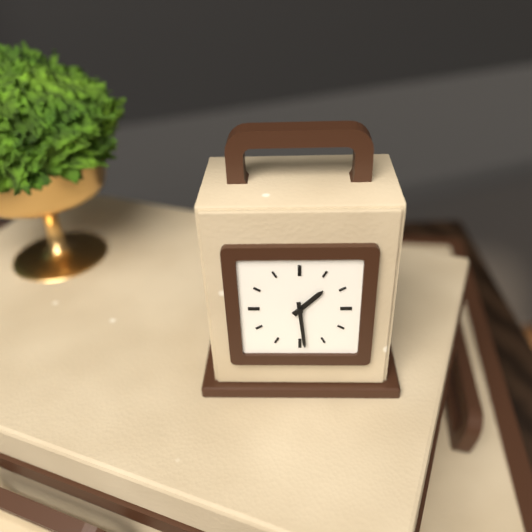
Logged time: {"hour": 1, "minute": 29}
